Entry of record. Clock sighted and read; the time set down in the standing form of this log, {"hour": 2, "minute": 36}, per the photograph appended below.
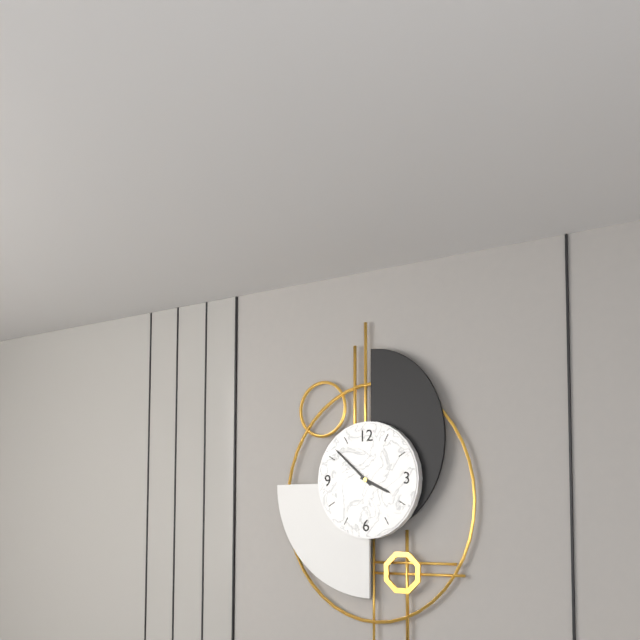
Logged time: {"hour": 3, "minute": 52}
